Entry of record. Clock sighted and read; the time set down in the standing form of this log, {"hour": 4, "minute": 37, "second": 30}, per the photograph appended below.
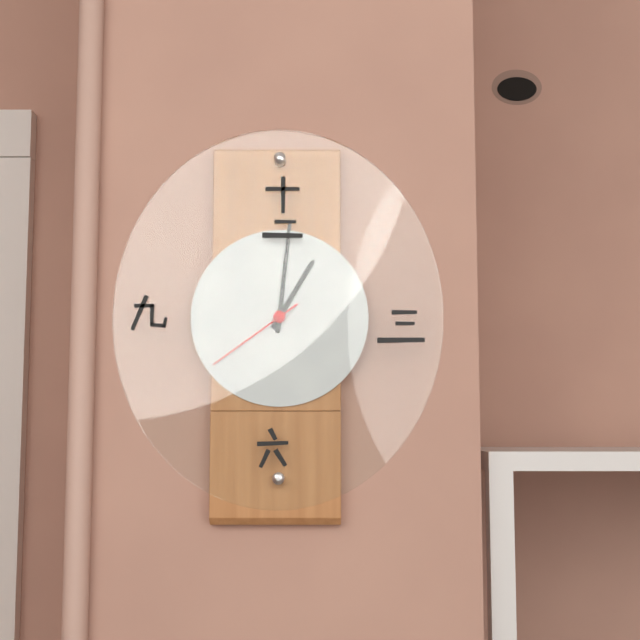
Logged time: {"hour": 1, "minute": 1, "second": 39}
